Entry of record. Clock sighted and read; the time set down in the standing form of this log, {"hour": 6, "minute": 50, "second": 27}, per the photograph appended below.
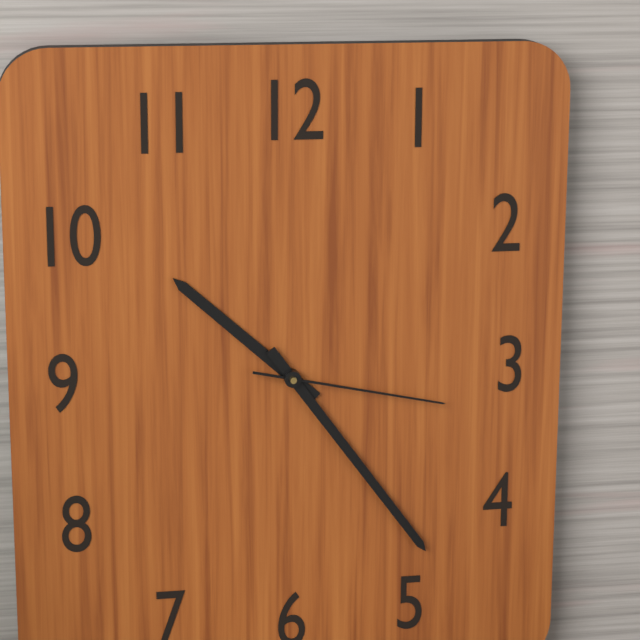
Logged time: {"hour": 10, "minute": 24, "second": 17}
